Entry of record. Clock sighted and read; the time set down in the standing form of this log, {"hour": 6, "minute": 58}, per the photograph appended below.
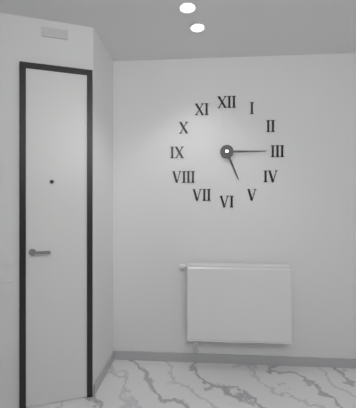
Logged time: {"hour": 5, "minute": 15}
